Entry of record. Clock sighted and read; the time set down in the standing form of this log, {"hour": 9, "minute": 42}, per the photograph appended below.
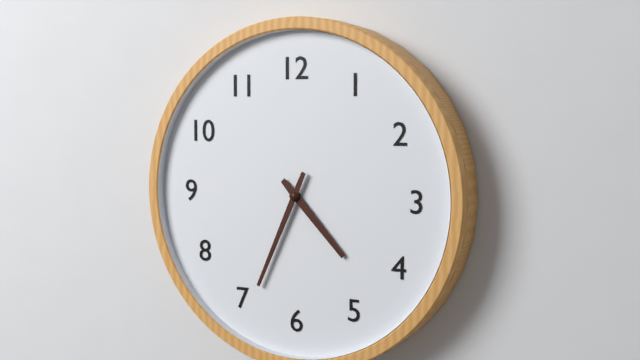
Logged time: {"hour": 4, "minute": 34}
